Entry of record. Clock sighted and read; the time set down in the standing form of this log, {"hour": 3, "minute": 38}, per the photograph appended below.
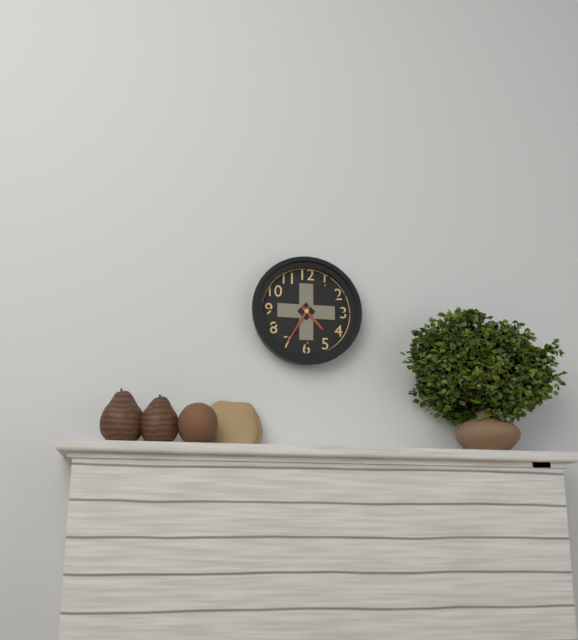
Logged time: {"hour": 4, "minute": 35}
